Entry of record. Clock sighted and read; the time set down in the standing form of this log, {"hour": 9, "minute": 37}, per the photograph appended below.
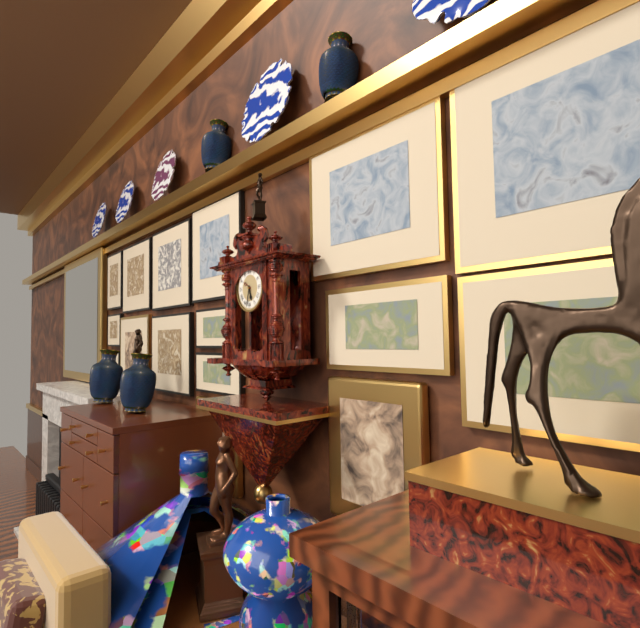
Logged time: {"hour": 5, "minute": 32}
